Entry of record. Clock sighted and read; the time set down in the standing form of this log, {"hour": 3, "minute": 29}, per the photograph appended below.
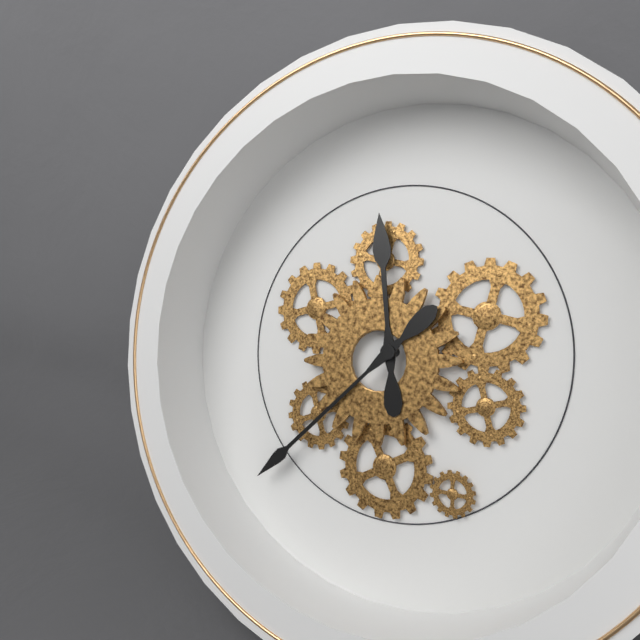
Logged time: {"hour": 11, "minute": 37}
